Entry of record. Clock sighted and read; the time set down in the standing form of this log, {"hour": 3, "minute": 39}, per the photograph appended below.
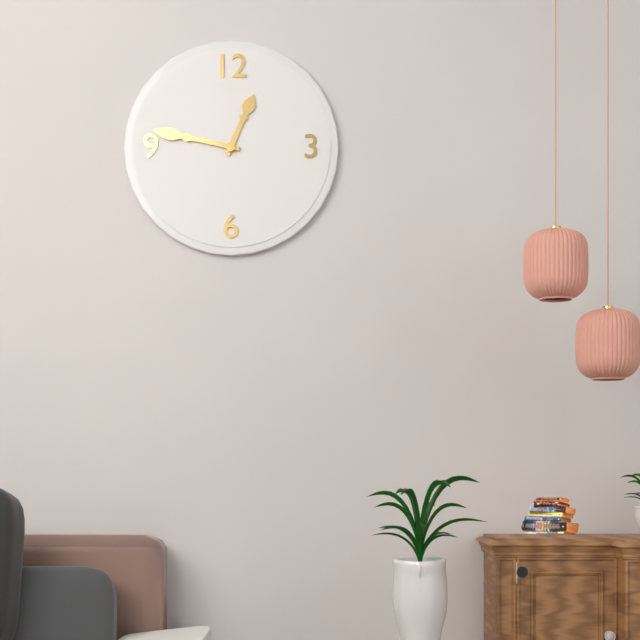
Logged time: {"hour": 12, "minute": 47}
